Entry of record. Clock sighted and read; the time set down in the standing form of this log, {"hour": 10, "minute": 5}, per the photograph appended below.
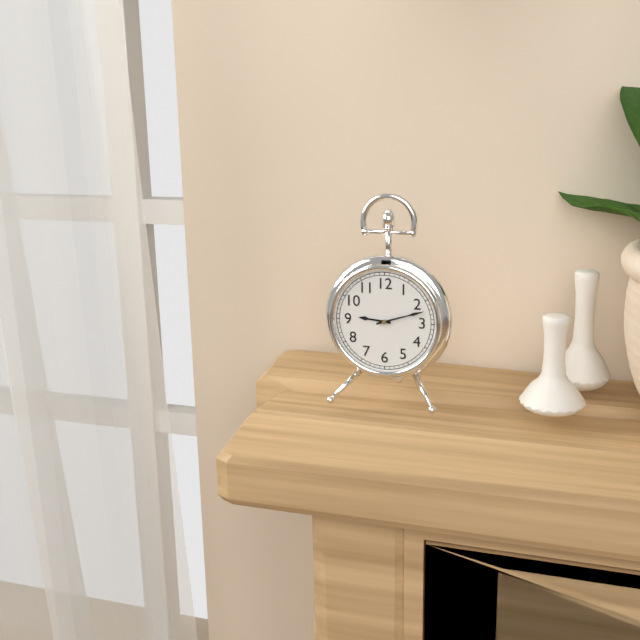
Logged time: {"hour": 9, "minute": 12}
